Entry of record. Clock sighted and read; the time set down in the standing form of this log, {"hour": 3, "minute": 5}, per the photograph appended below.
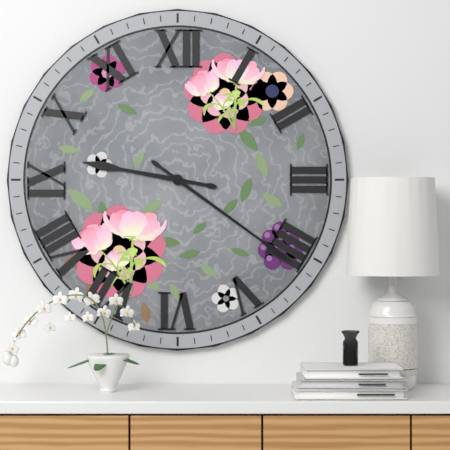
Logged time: {"hour": 9, "minute": 21}
